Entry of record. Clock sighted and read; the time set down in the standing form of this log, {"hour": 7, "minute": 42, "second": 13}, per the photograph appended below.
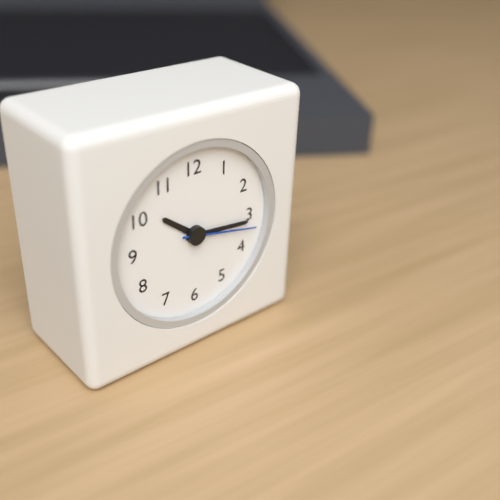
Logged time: {"hour": 10, "minute": 16, "second": 17}
